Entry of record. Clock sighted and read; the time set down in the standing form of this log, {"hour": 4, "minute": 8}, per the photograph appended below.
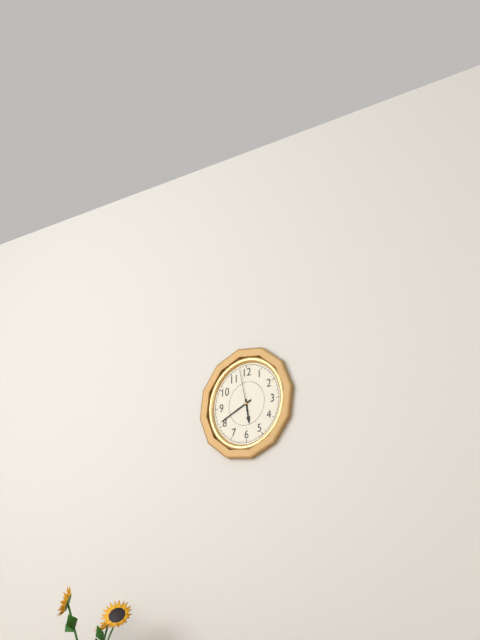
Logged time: {"hour": 5, "minute": 41}
